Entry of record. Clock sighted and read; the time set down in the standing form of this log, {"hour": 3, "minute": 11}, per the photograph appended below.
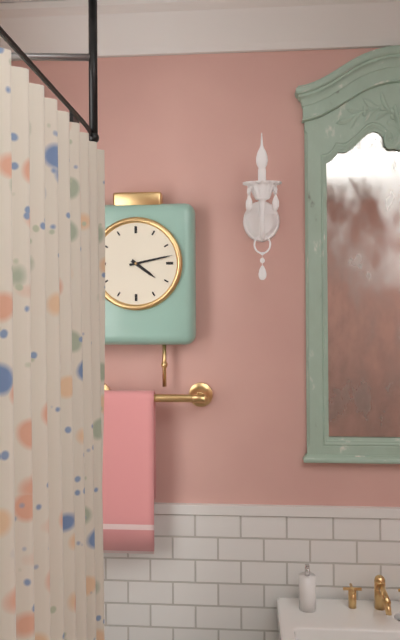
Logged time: {"hour": 4, "minute": 13}
